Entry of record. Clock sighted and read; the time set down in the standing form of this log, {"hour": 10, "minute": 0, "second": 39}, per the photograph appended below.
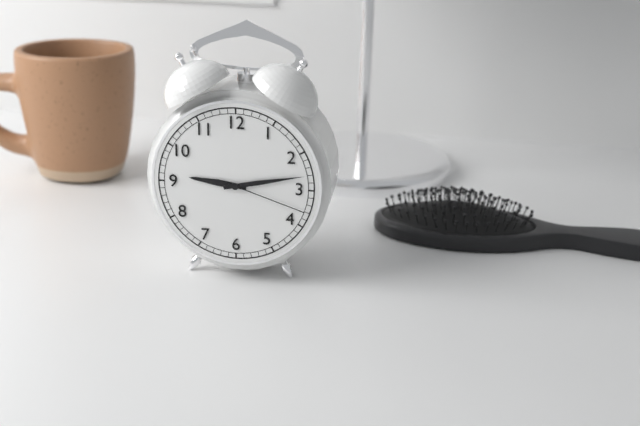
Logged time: {"hour": 9, "minute": 13, "second": 18}
